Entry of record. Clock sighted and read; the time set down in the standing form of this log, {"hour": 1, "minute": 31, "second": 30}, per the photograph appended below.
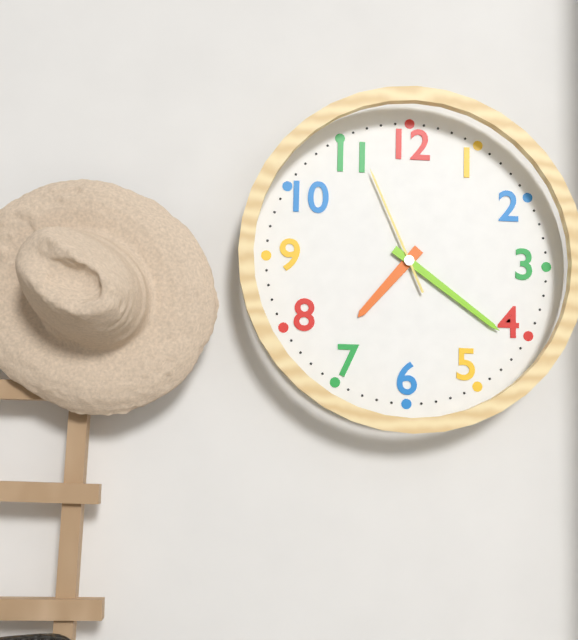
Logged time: {"hour": 7, "minute": 21, "second": 56}
